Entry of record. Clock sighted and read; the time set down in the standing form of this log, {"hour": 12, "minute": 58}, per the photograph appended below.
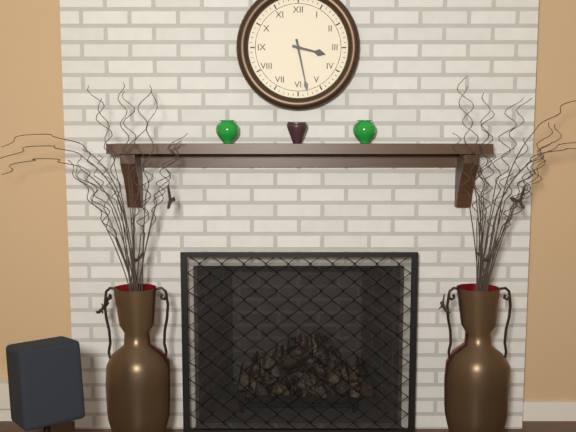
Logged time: {"hour": 3, "minute": 28}
